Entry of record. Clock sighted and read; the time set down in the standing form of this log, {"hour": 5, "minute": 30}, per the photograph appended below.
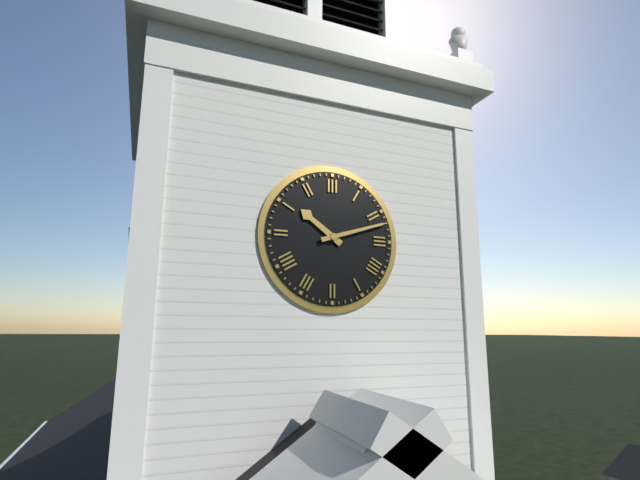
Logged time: {"hour": 10, "minute": 12}
